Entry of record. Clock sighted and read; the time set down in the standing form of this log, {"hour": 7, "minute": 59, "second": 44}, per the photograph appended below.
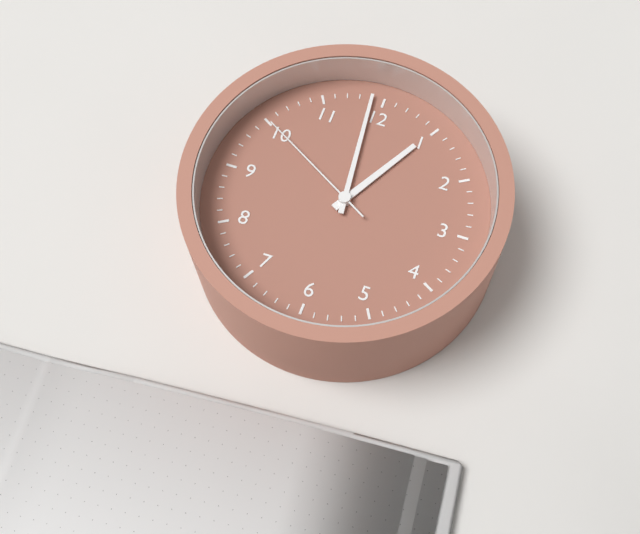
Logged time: {"hour": 12, "minute": 59, "second": 50}
